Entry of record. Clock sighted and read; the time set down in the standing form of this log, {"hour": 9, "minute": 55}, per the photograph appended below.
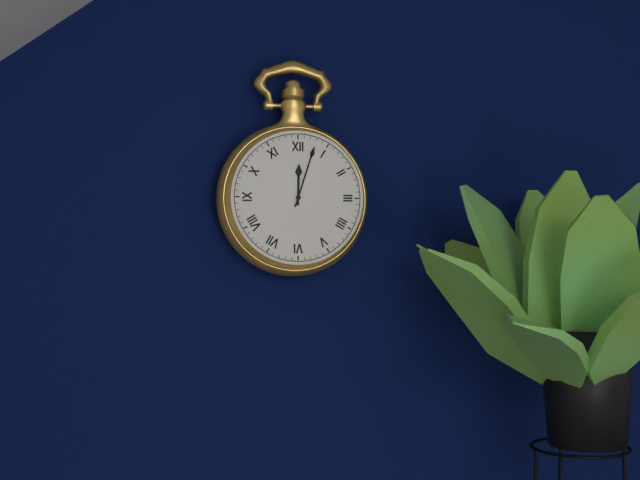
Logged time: {"hour": 12, "minute": 3}
